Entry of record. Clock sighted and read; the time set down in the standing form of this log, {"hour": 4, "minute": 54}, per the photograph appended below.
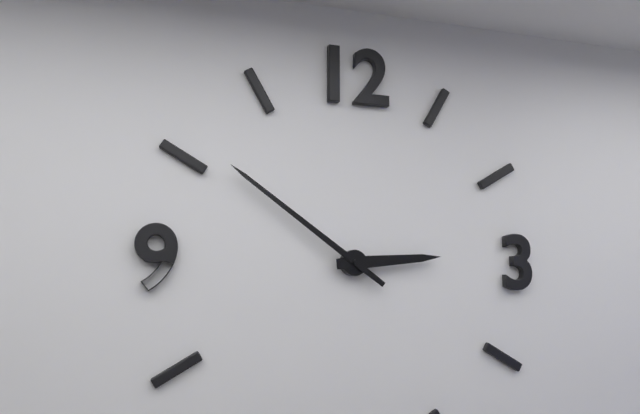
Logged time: {"hour": 2, "minute": 51}
